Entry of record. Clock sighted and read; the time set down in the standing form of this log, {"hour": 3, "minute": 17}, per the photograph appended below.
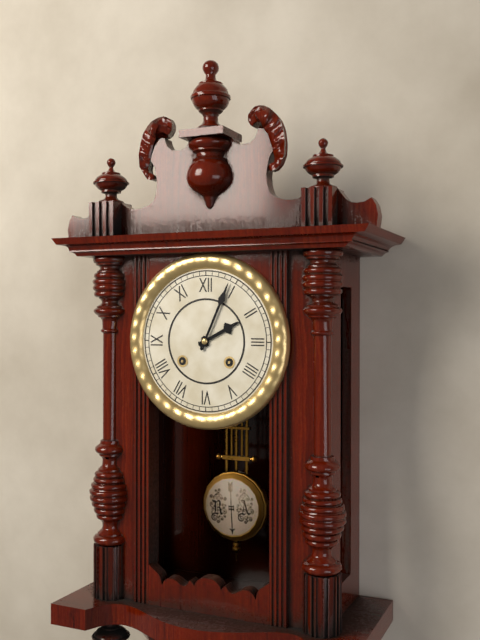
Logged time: {"hour": 2, "minute": 4}
